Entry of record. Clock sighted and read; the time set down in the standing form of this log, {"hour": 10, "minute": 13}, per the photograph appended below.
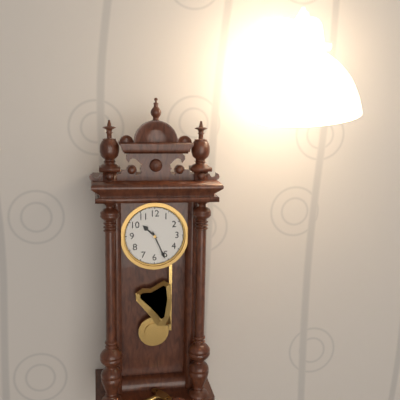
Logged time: {"hour": 10, "minute": 26}
